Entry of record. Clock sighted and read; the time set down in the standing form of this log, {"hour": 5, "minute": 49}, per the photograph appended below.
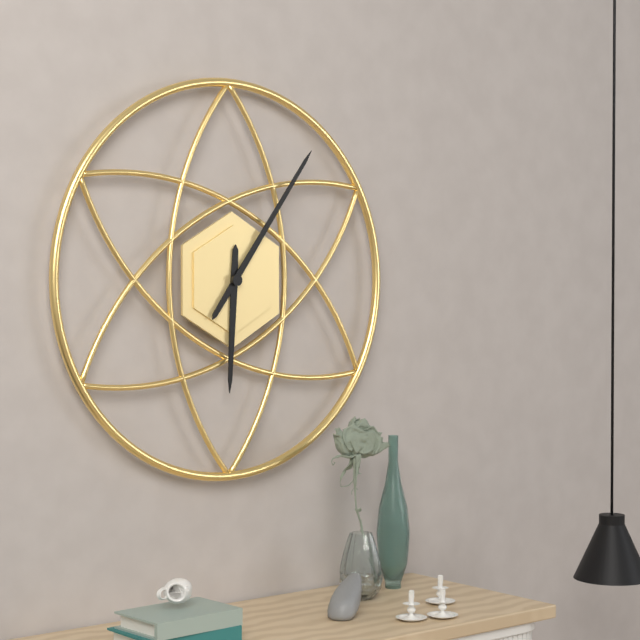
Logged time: {"hour": 6, "minute": 6}
